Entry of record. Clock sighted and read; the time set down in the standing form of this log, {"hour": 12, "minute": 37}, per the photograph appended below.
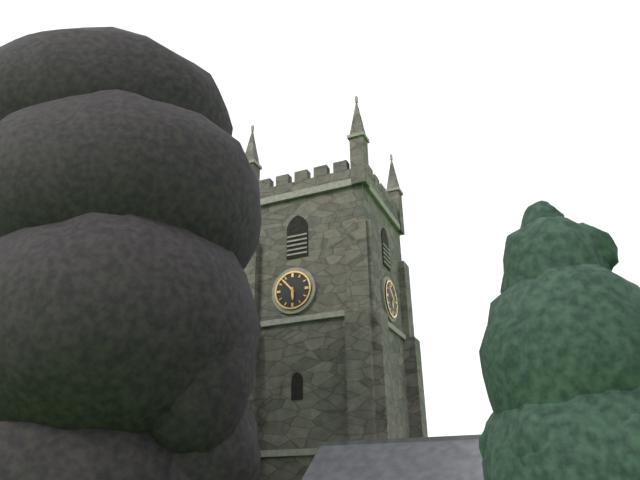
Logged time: {"hour": 5, "minute": 53}
